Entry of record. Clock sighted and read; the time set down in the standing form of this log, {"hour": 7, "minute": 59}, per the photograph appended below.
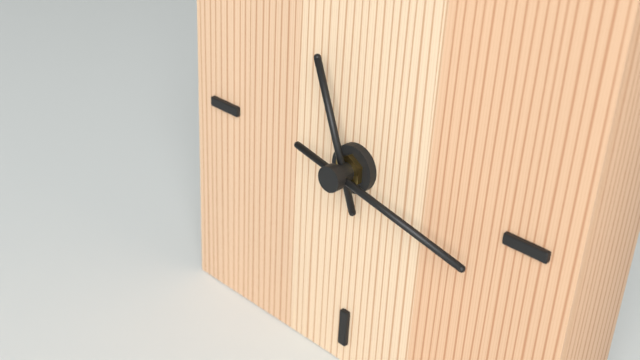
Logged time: {"hour": 11, "minute": 17}
